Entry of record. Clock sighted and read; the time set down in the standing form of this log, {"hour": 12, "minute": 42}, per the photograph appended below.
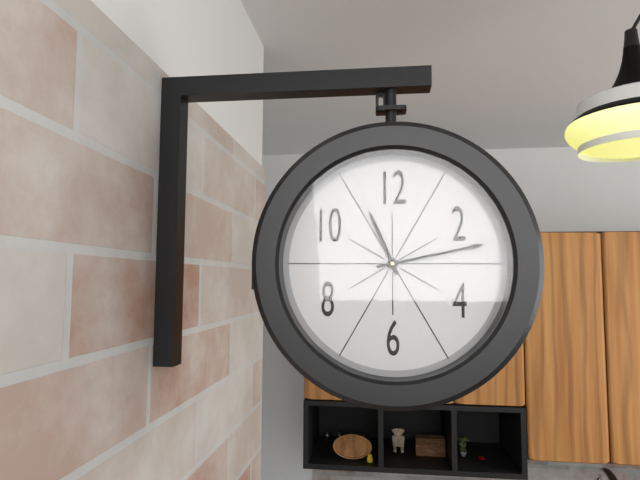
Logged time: {"hour": 11, "minute": 13}
